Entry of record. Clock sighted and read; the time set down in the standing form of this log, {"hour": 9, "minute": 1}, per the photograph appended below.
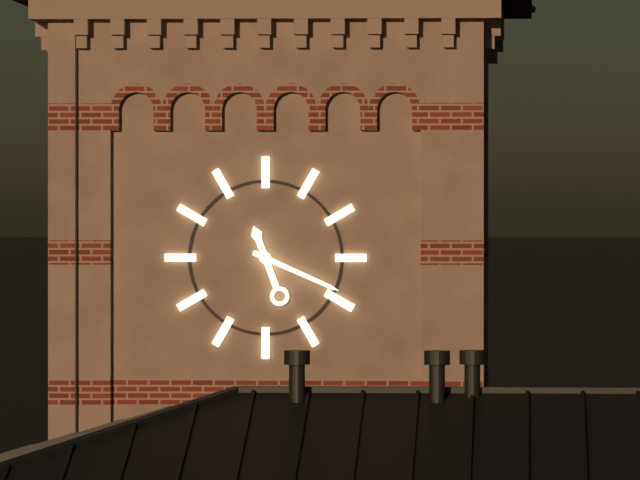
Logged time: {"hour": 11, "minute": 19}
